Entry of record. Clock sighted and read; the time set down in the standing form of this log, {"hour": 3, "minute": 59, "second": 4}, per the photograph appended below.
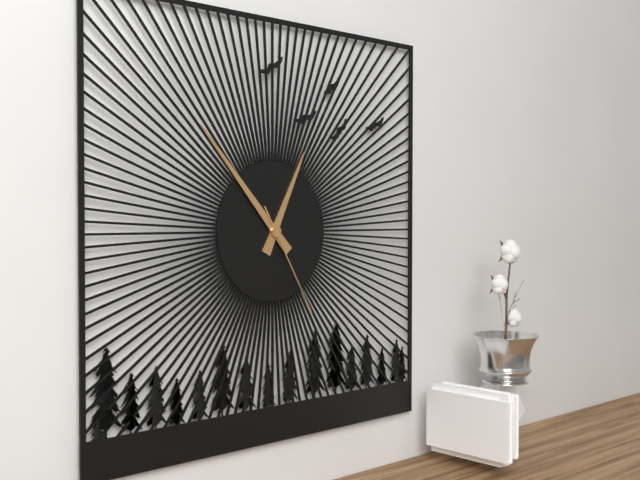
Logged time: {"hour": 12, "minute": 53, "second": 25}
